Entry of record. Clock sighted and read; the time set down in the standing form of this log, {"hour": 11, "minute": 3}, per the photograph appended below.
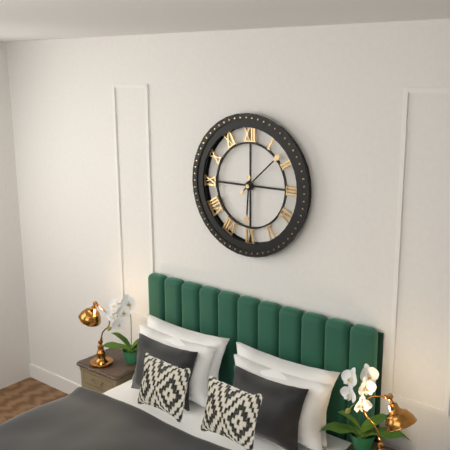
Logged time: {"hour": 6, "minute": 8}
